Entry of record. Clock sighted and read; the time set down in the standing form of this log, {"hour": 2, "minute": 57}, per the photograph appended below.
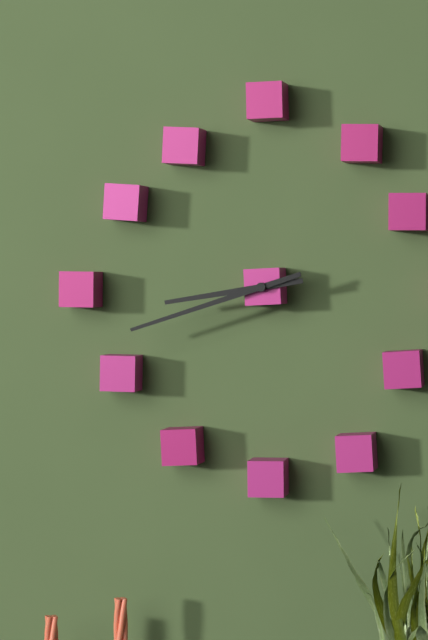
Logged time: {"hour": 8, "minute": 42}
